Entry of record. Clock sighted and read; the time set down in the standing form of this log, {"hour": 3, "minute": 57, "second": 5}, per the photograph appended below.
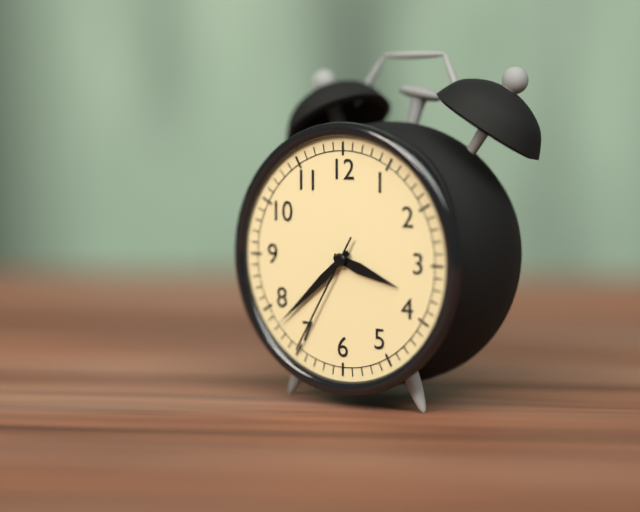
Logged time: {"hour": 3, "minute": 38, "second": 35}
